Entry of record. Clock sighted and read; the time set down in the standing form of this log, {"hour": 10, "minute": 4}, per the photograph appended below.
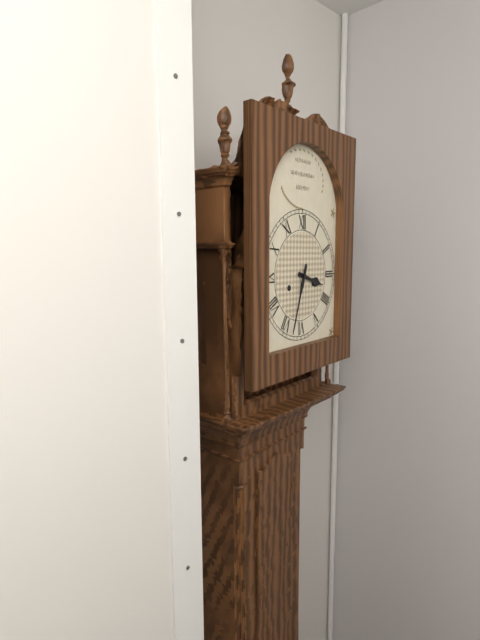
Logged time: {"hour": 3, "minute": 33}
